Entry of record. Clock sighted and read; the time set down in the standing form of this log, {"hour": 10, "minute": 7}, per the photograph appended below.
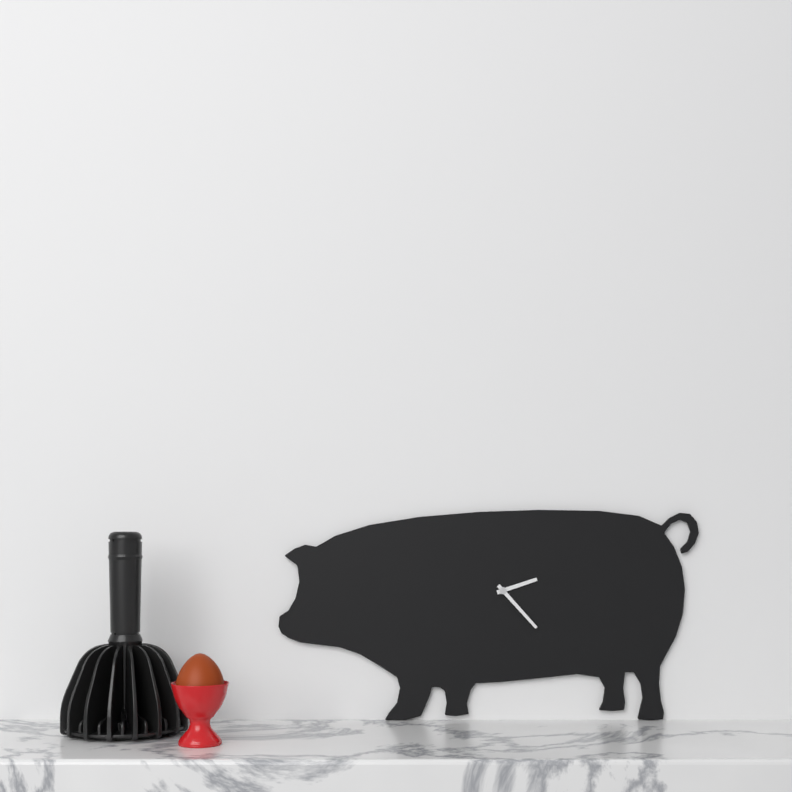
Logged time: {"hour": 2, "minute": 23}
